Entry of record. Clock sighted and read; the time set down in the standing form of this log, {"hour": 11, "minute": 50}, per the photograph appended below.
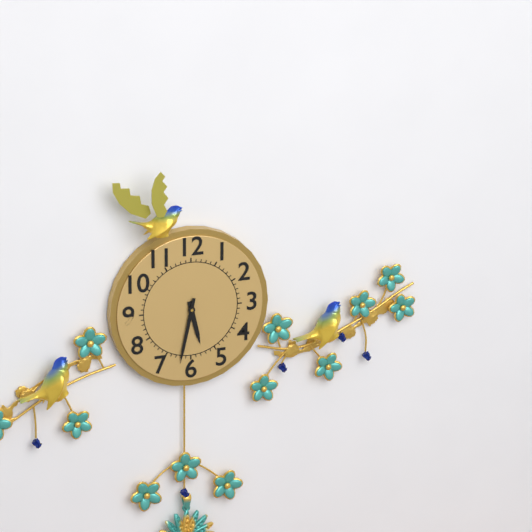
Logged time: {"hour": 5, "minute": 32}
